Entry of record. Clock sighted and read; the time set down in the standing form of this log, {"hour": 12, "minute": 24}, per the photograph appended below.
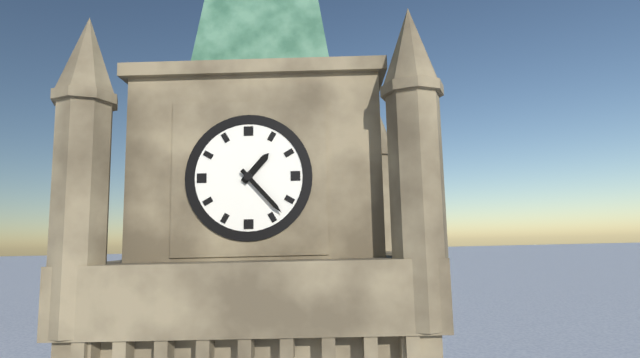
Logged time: {"hour": 1, "minute": 23}
